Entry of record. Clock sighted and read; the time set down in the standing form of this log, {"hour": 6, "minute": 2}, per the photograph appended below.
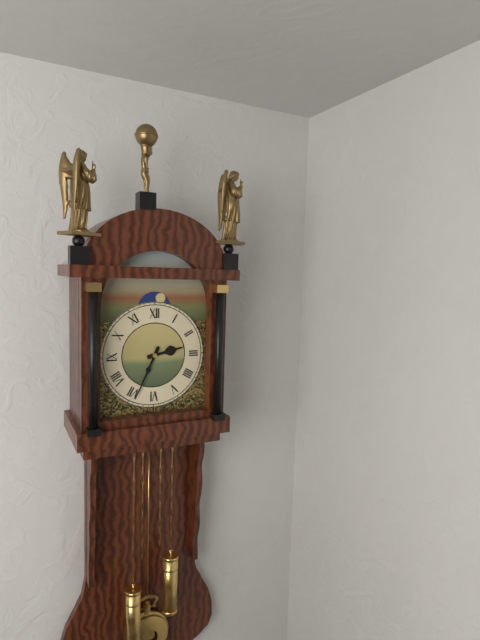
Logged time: {"hour": 2, "minute": 34}
